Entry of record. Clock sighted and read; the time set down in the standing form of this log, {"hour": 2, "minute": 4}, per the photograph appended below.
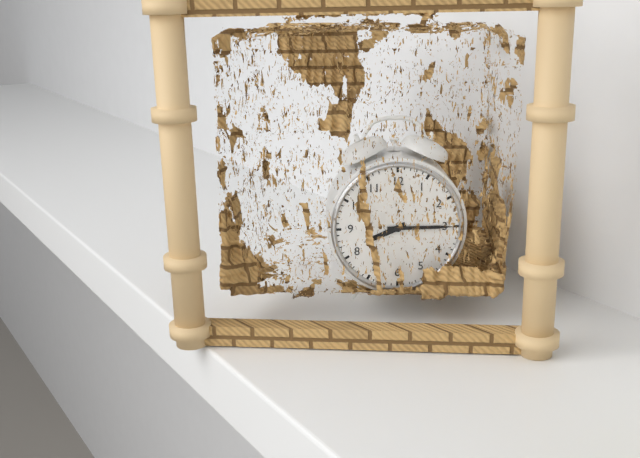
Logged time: {"hour": 8, "minute": 15}
